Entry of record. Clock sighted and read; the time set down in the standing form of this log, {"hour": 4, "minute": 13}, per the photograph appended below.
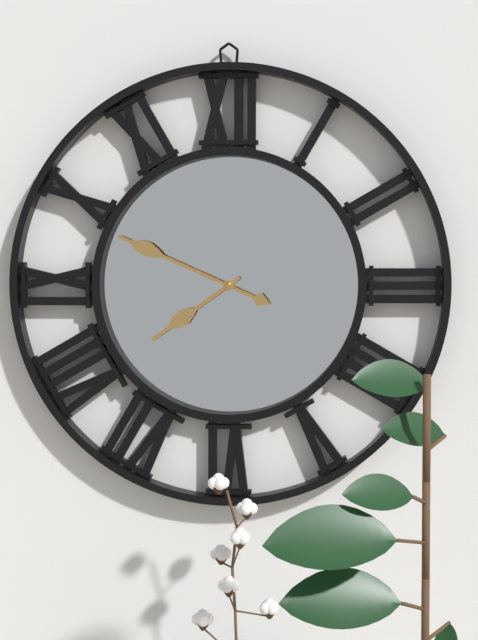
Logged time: {"hour": 7, "minute": 49}
